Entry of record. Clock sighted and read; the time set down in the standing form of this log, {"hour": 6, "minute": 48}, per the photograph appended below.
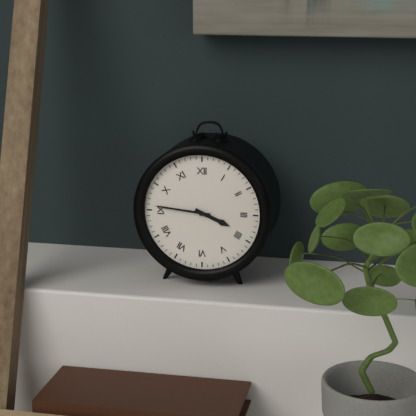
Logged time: {"hour": 3, "minute": 46}
